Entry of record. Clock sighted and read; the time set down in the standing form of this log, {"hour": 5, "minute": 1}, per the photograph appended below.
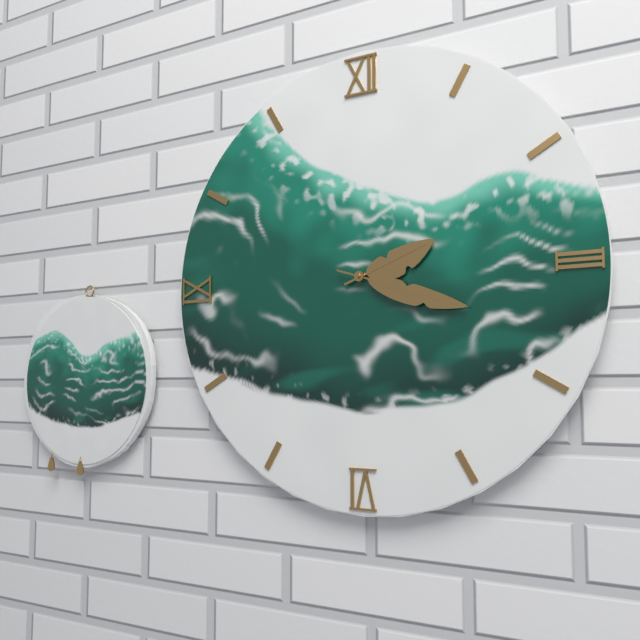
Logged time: {"hour": 2, "minute": 18}
